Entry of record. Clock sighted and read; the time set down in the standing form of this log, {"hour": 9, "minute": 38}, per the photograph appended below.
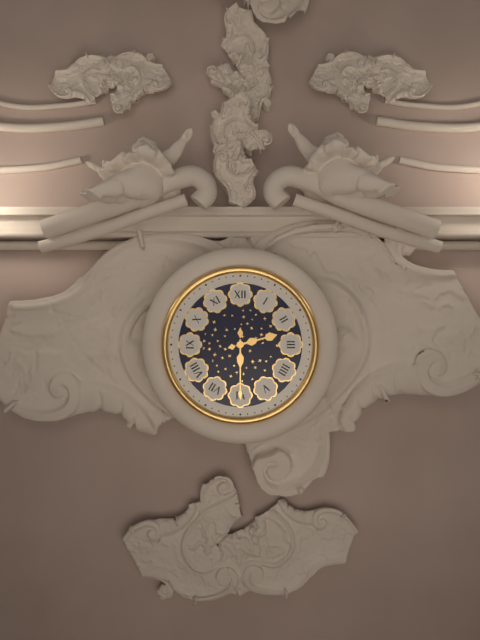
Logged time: {"hour": 2, "minute": 30}
